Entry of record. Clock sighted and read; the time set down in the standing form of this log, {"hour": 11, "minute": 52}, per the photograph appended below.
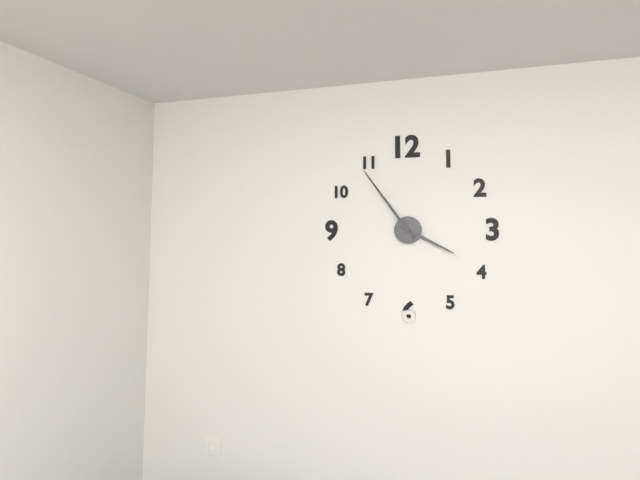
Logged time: {"hour": 3, "minute": 54}
